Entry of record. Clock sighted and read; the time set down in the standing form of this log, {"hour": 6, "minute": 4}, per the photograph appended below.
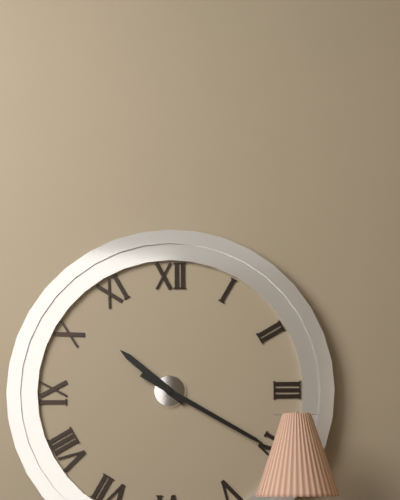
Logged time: {"hour": 10, "minute": 20}
